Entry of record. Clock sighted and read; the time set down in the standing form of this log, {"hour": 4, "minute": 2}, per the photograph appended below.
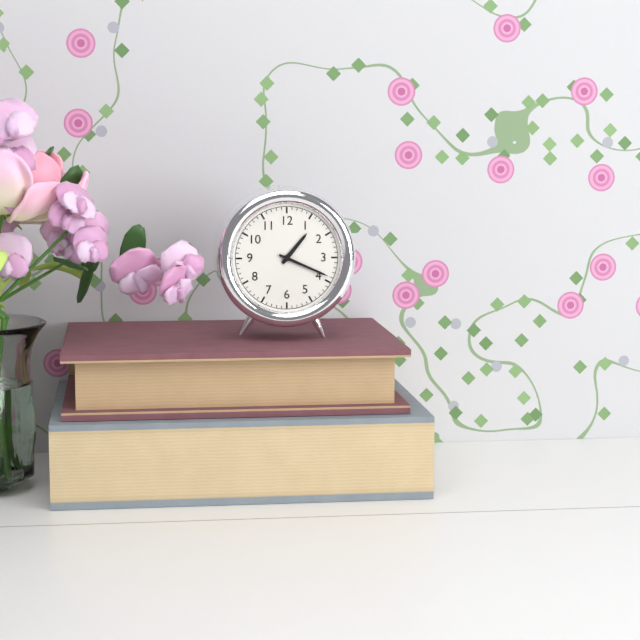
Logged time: {"hour": 1, "minute": 19}
